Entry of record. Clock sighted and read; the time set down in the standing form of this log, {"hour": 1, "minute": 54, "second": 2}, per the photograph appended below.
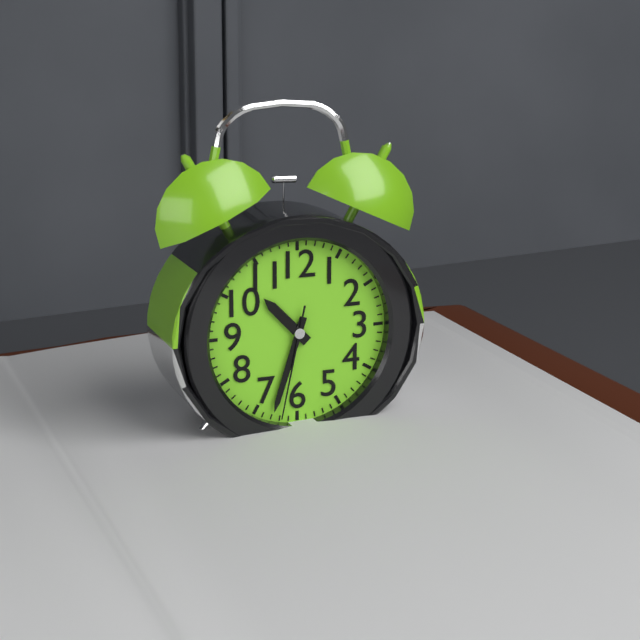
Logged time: {"hour": 10, "minute": 33, "second": 32}
